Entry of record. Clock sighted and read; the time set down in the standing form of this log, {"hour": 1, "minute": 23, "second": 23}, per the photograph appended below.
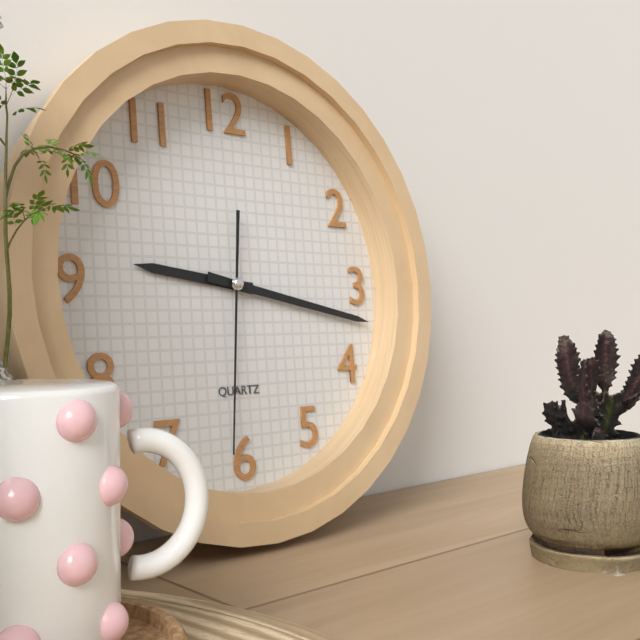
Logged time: {"hour": 9, "minute": 17, "second": 31}
